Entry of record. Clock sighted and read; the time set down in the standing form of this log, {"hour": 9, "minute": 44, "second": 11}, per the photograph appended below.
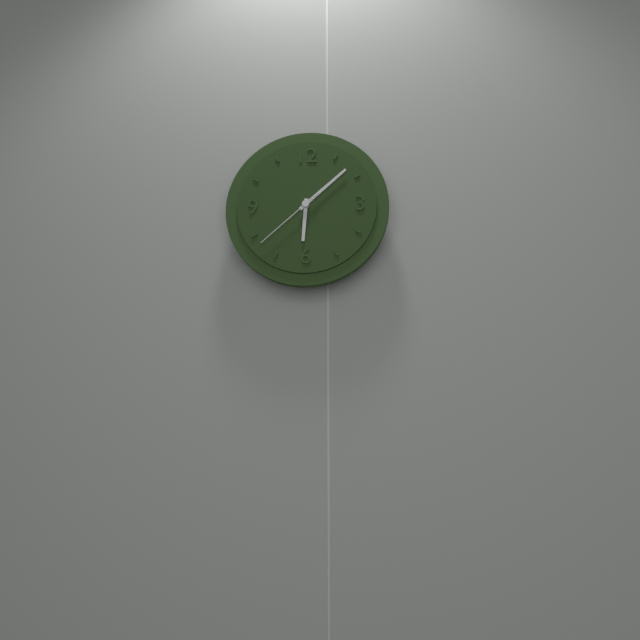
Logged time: {"hour": 6, "minute": 8, "second": 38}
